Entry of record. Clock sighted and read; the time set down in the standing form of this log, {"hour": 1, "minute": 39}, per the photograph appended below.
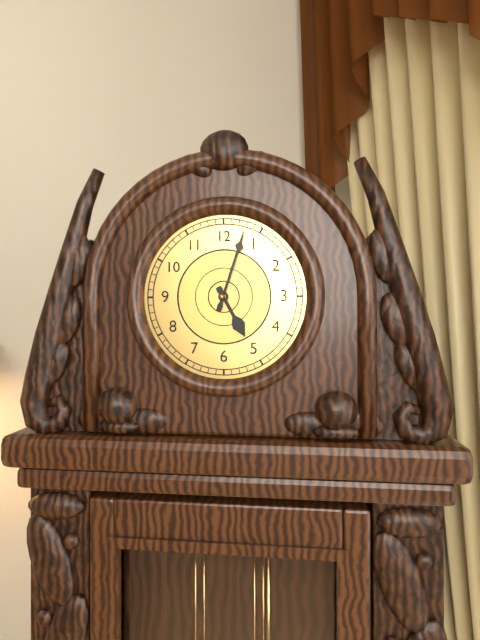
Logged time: {"hour": 5, "minute": 3}
